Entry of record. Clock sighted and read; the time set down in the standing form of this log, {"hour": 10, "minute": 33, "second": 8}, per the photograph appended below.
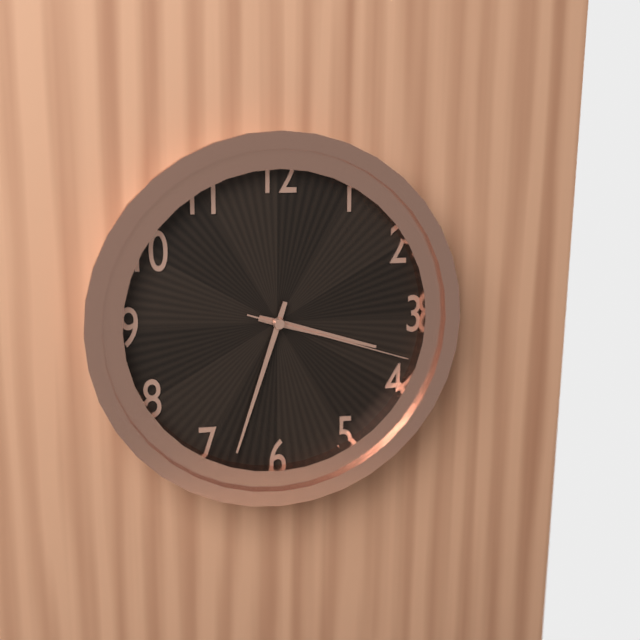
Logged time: {"hour": 3, "minute": 33, "second": 18}
